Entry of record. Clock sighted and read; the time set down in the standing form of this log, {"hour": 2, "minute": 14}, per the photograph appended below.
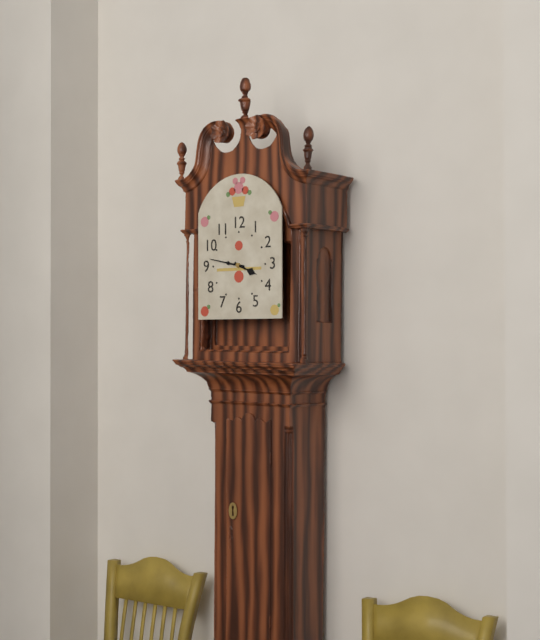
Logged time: {"hour": 3, "minute": 47}
